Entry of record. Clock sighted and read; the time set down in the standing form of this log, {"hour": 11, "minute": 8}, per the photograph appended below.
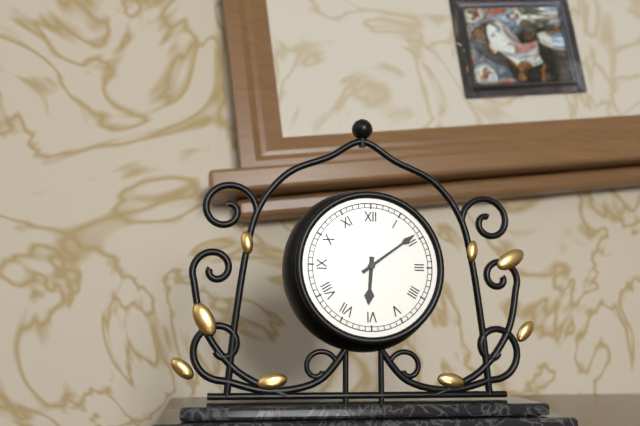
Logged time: {"hour": 6, "minute": 9}
